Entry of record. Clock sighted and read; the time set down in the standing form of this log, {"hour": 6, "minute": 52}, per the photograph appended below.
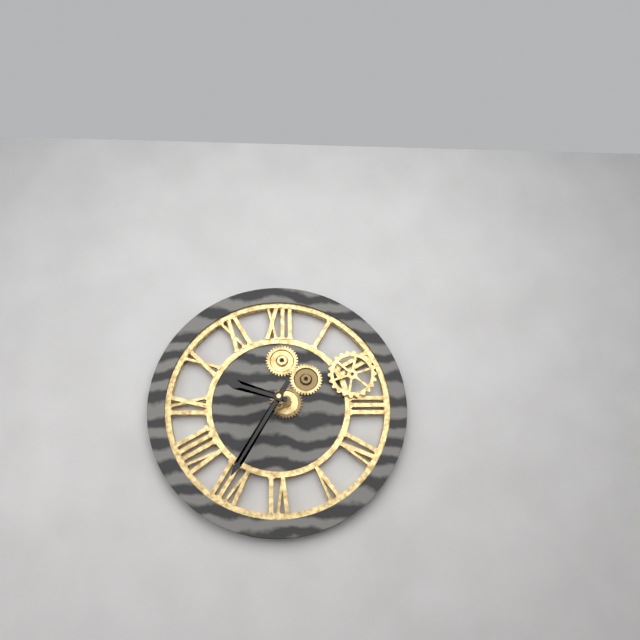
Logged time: {"hour": 9, "minute": 35}
